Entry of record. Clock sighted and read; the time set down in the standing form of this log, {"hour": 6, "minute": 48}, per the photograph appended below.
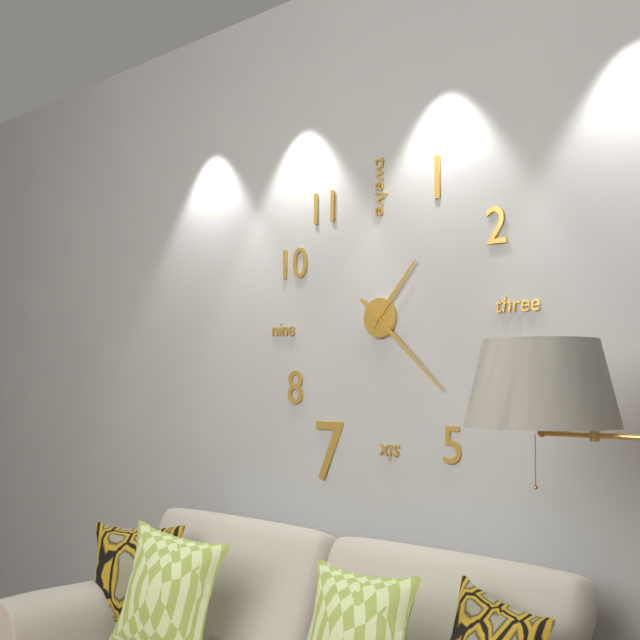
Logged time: {"hour": 1, "minute": 22}
